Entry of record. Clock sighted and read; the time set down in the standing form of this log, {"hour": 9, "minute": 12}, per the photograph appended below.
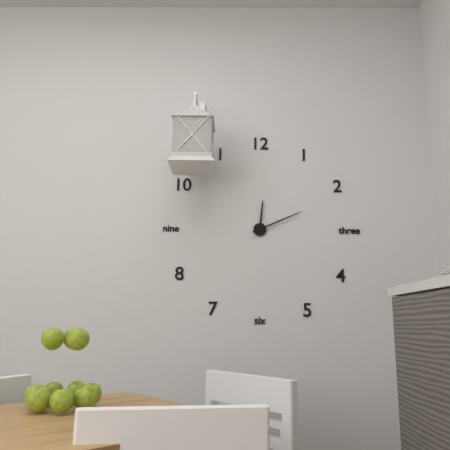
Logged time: {"hour": 12, "minute": 11}
